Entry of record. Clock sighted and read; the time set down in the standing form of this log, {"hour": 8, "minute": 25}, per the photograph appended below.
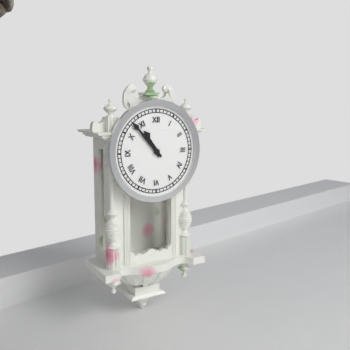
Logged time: {"hour": 10, "minute": 53}
